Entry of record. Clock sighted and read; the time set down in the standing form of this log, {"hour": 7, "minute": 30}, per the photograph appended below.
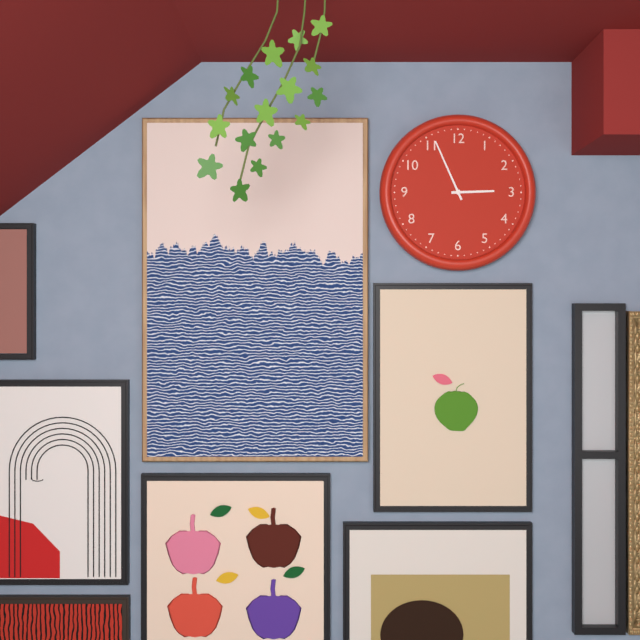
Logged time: {"hour": 2, "minute": 56}
